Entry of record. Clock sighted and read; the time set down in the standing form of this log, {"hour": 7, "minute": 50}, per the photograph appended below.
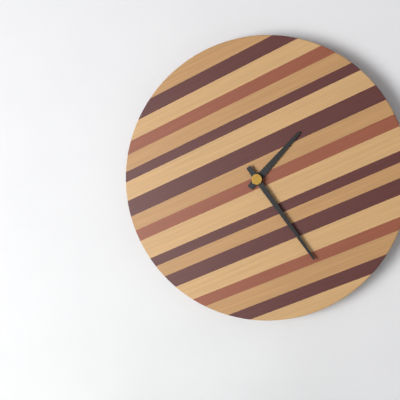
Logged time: {"hour": 1, "minute": 24}
